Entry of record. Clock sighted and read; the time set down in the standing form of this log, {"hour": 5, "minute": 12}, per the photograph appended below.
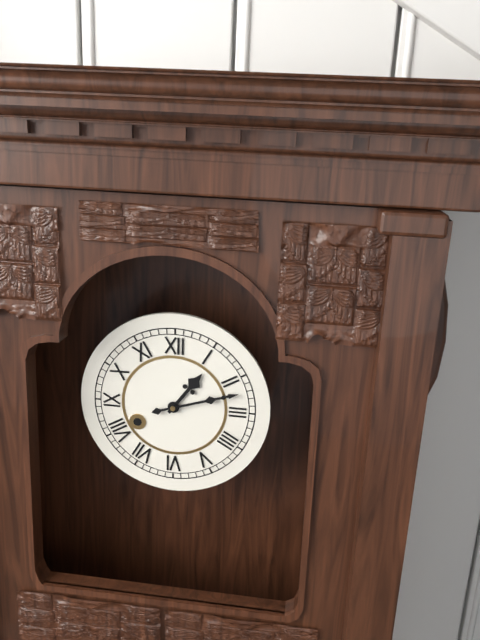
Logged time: {"hour": 1, "minute": 12}
